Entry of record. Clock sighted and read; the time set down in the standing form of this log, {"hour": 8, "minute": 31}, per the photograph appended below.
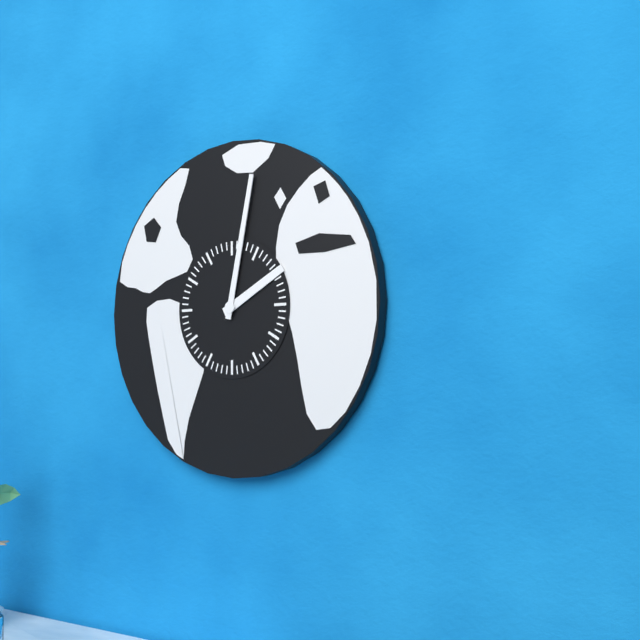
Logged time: {"hour": 2, "minute": 2}
